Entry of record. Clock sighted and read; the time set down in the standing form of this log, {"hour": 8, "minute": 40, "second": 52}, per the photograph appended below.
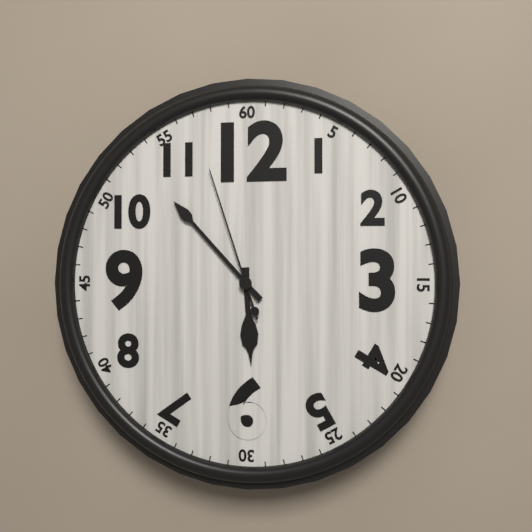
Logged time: {"hour": 5, "minute": 53, "second": 57}
